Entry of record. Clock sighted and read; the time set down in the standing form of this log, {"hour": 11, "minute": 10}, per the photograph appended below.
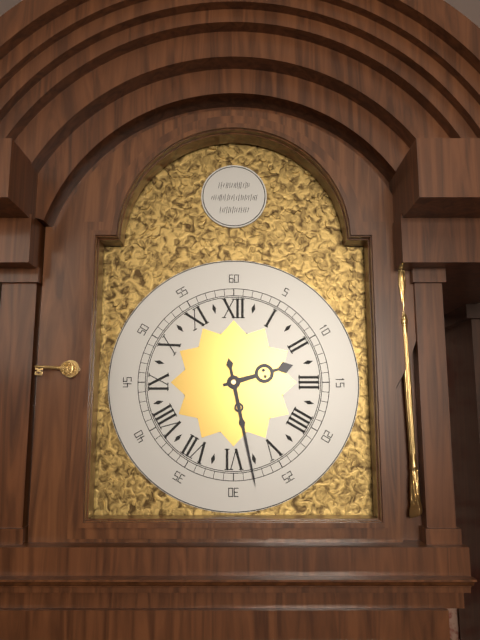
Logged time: {"hour": 2, "minute": 28}
